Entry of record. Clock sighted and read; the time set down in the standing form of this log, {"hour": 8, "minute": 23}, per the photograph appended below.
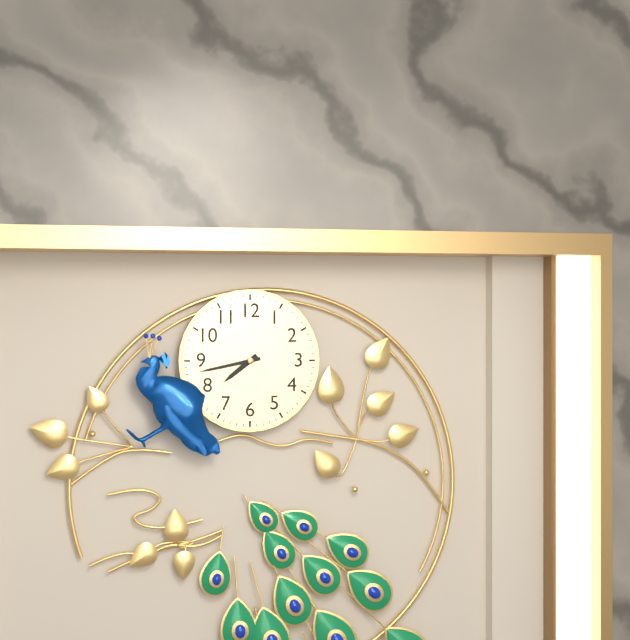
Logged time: {"hour": 7, "minute": 43}
